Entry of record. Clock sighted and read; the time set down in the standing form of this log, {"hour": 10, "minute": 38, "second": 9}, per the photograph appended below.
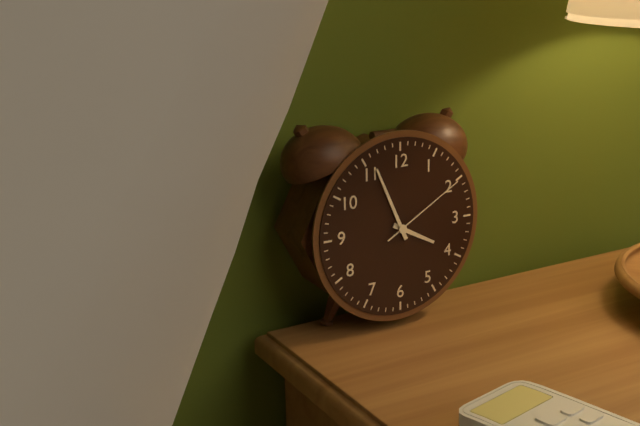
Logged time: {"hour": 3, "minute": 56, "second": 10}
